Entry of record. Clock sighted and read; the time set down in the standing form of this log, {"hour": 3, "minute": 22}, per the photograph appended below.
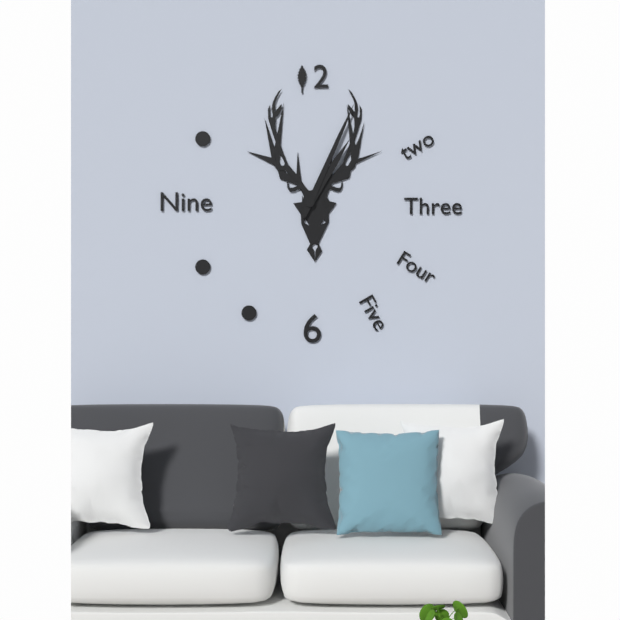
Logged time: {"hour": 1, "minute": 4}
